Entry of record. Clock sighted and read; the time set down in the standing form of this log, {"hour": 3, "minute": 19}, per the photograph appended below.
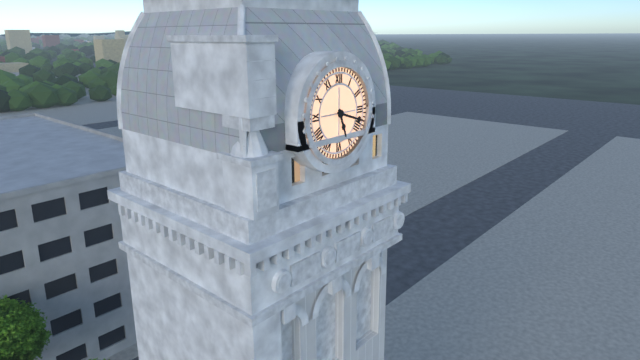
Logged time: {"hour": 5, "minute": 18}
